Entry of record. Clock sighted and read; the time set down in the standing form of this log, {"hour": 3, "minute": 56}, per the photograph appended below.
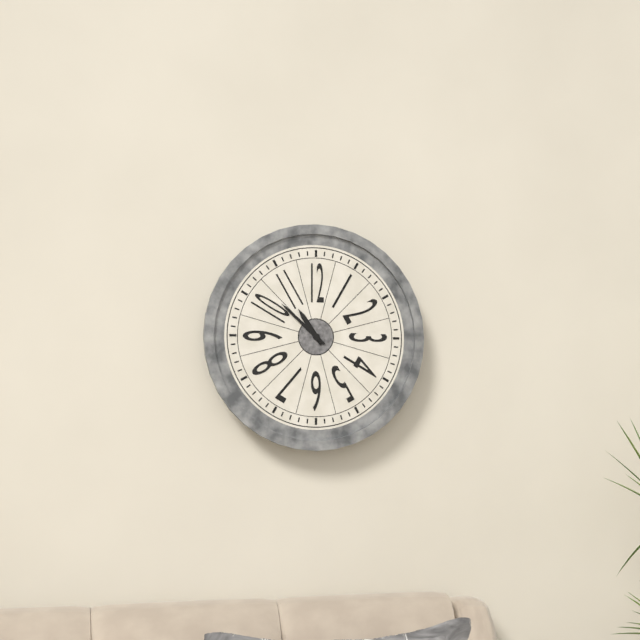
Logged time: {"hour": 10, "minute": 52}
